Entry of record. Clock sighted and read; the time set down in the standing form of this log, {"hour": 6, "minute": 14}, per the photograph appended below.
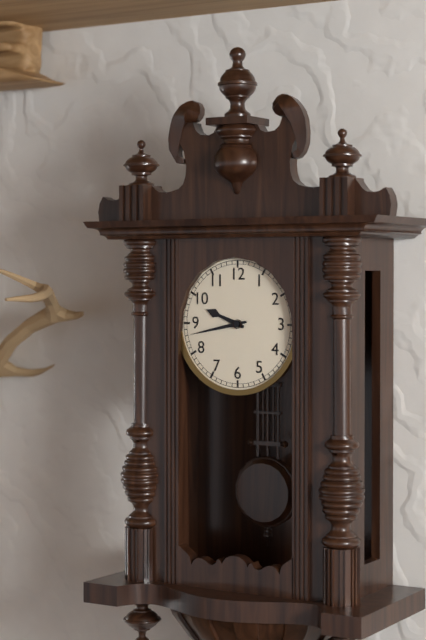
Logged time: {"hour": 9, "minute": 43}
